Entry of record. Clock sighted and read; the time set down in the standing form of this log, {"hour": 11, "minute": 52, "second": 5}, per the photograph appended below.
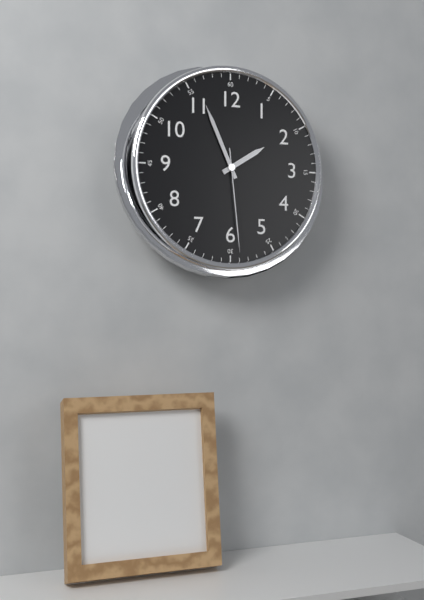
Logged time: {"hour": 1, "minute": 56, "second": 29}
